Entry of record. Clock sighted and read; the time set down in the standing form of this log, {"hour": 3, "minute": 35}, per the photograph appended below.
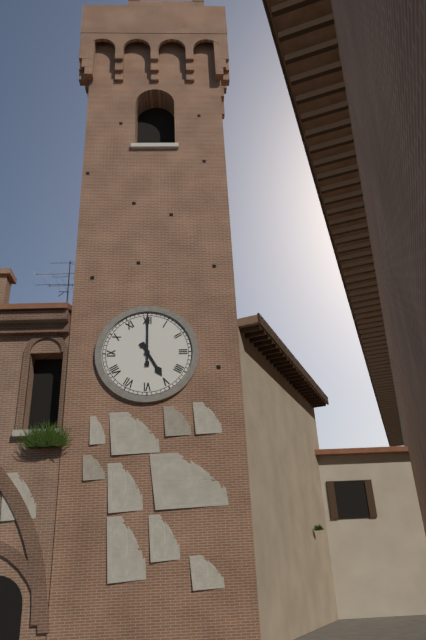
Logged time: {"hour": 5, "minute": 0}
